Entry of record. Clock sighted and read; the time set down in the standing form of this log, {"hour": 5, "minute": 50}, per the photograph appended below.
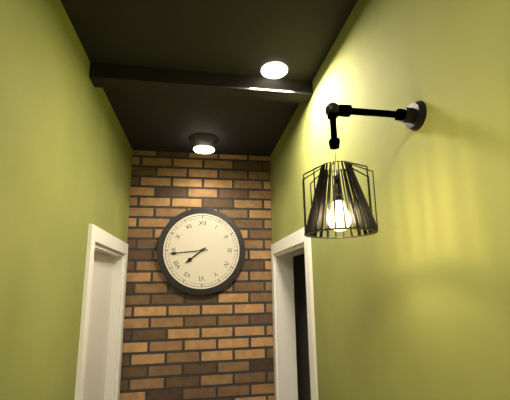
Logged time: {"hour": 7, "minute": 44}
